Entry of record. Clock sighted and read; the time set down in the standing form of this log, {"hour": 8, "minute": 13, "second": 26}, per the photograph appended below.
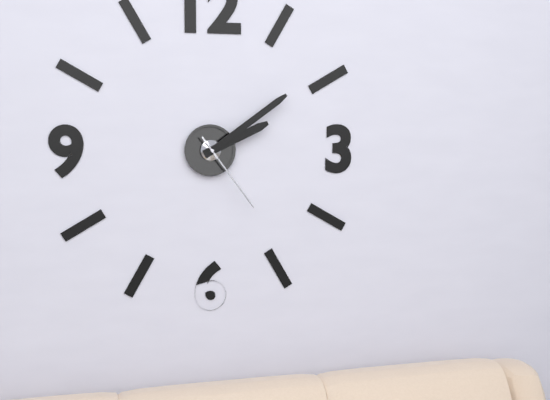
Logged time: {"hour": 2, "minute": 9, "second": 24}
